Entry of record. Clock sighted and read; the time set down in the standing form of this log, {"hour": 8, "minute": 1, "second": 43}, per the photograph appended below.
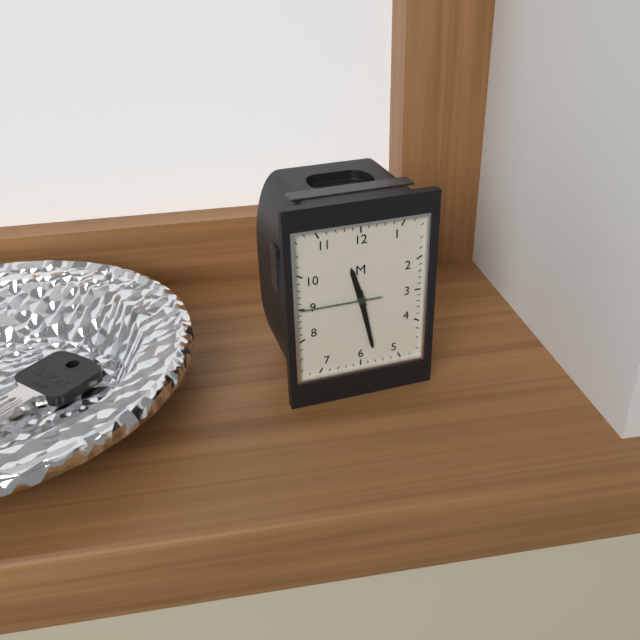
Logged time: {"hour": 11, "minute": 28, "second": 45}
